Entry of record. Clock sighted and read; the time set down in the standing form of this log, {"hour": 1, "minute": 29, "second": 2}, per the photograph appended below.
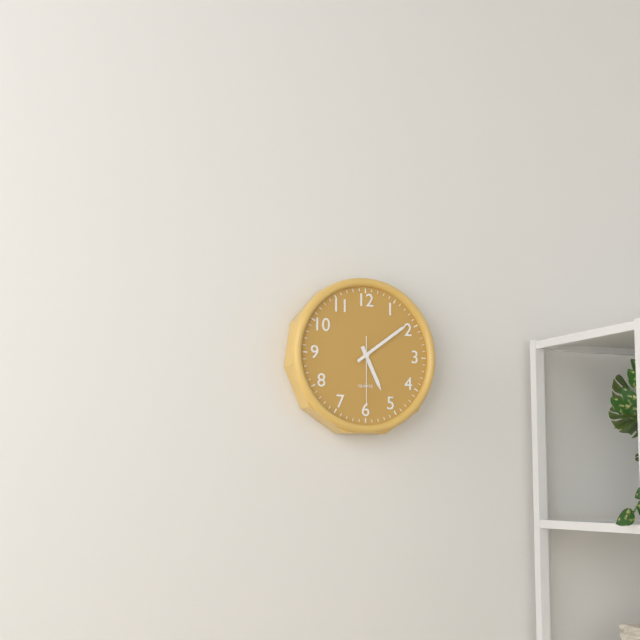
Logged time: {"hour": 5, "minute": 9, "second": 30}
